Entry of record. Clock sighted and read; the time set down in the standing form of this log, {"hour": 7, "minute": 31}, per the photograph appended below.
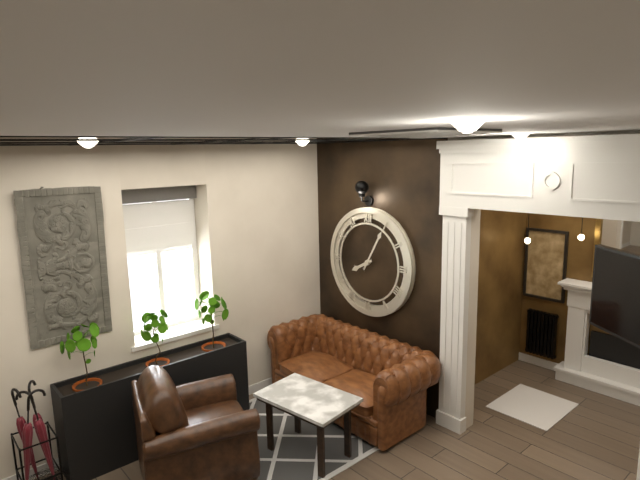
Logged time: {"hour": 8, "minute": 5}
